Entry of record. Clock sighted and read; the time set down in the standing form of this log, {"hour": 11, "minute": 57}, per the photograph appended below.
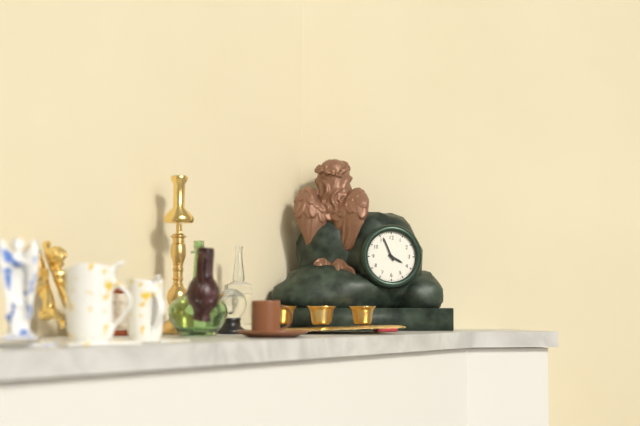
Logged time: {"hour": 3, "minute": 56}
